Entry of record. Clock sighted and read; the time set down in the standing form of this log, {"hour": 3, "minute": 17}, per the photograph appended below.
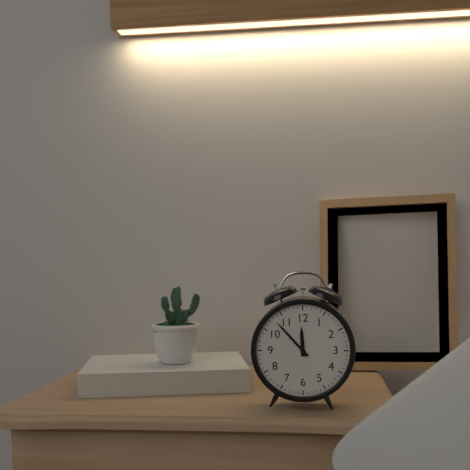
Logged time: {"hour": 11, "minute": 53}
